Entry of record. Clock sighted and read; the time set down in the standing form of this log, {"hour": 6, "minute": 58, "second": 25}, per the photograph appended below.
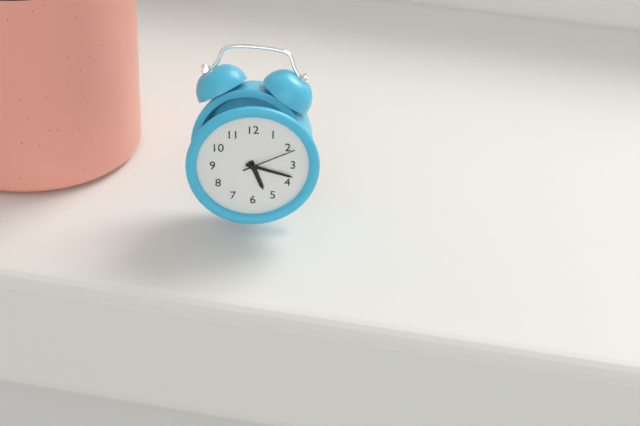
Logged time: {"hour": 5, "minute": 18, "second": 11}
